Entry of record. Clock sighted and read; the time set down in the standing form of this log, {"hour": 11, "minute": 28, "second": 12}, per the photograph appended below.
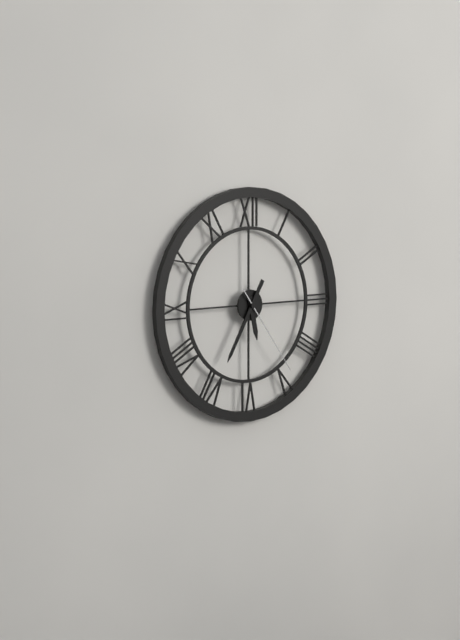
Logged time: {"hour": 5, "minute": 35, "second": 24}
